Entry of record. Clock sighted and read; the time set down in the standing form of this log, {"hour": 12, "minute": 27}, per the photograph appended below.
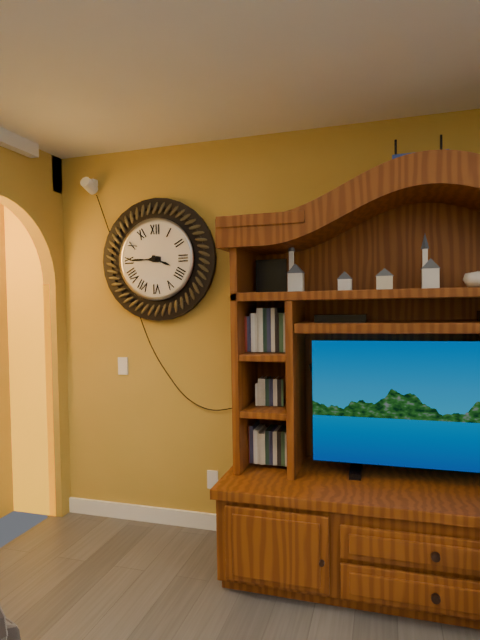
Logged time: {"hour": 3, "minute": 45}
